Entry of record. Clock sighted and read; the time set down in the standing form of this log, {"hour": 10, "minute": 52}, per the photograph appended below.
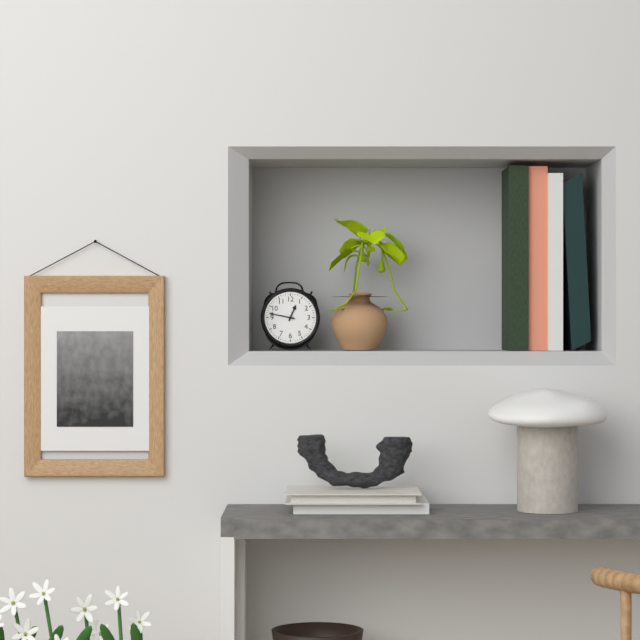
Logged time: {"hour": 12, "minute": 47}
